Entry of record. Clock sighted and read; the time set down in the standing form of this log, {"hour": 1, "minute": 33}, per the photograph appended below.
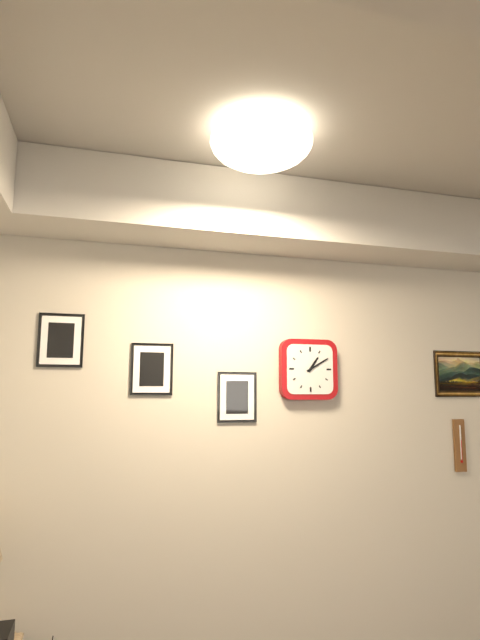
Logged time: {"hour": 1, "minute": 10}
